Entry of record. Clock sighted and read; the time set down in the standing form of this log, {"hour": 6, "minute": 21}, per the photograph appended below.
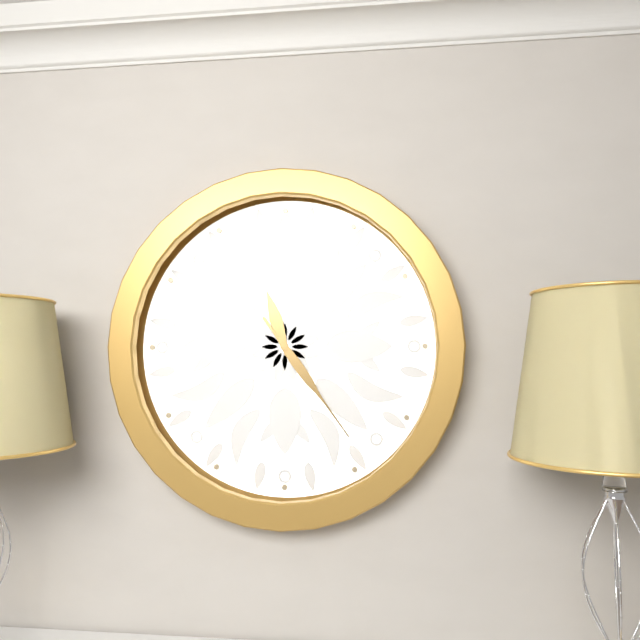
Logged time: {"hour": 11, "minute": 24}
